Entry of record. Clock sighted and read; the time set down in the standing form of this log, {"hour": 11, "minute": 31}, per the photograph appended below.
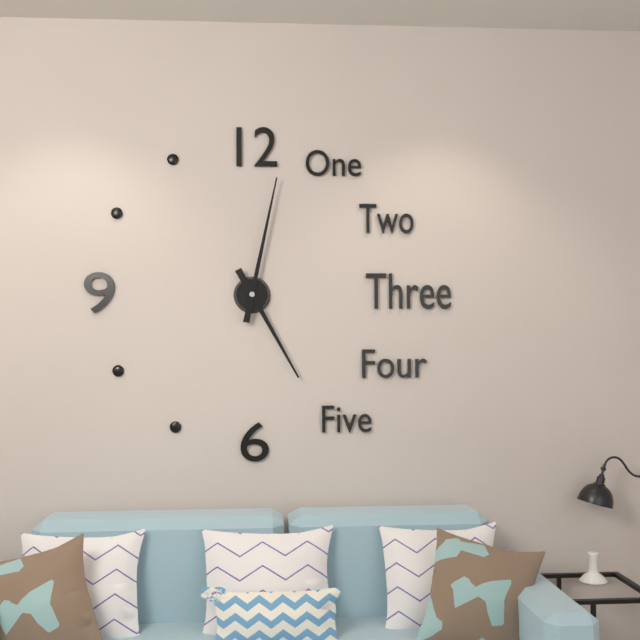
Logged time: {"hour": 5, "minute": 2}
